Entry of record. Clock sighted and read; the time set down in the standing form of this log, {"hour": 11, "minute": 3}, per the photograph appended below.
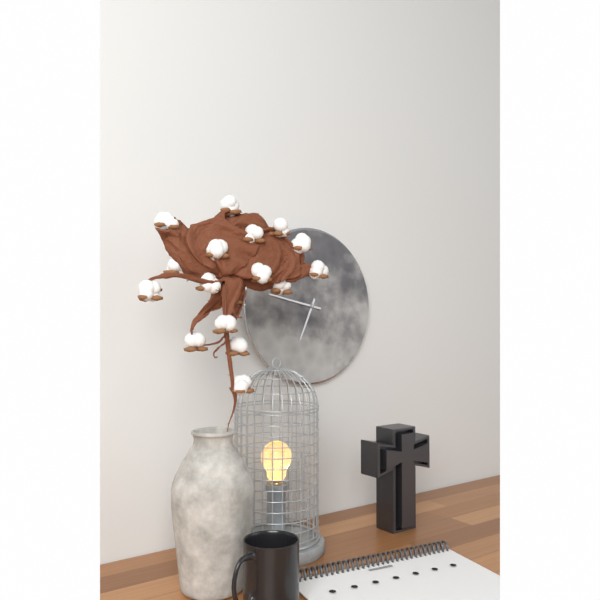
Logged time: {"hour": 6, "minute": 47}
